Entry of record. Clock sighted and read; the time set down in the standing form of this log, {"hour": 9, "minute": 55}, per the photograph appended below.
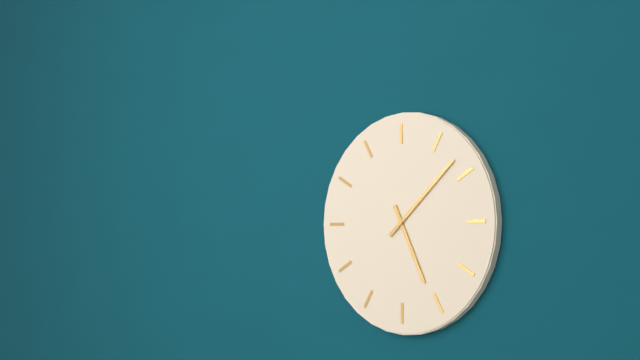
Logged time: {"hour": 5, "minute": 8}
